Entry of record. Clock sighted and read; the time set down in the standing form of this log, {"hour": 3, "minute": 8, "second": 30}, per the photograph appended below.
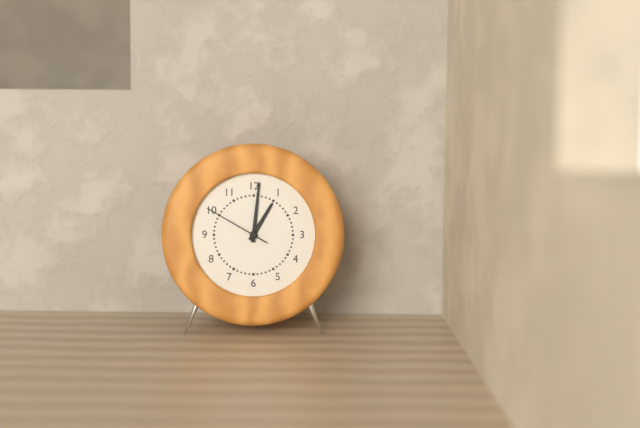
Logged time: {"hour": 1, "minute": 1, "second": 50}
